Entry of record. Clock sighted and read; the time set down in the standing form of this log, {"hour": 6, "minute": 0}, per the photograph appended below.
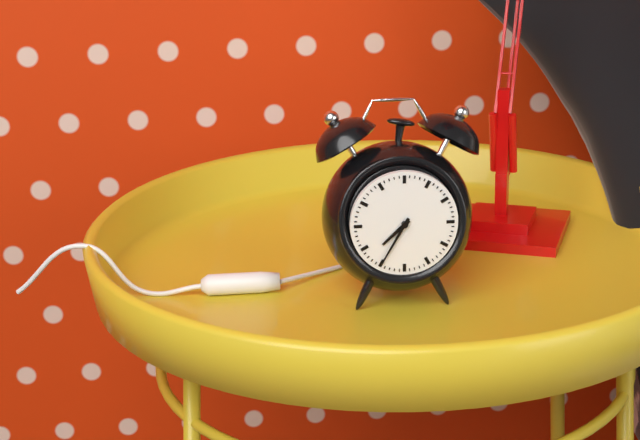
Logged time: {"hour": 7, "minute": 35}
